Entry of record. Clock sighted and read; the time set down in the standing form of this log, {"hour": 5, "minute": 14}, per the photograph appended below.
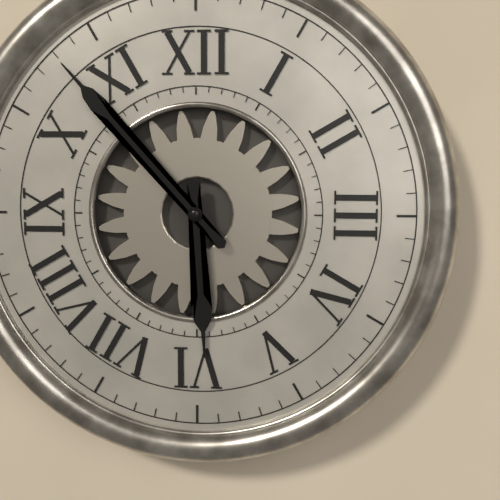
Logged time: {"hour": 5, "minute": 53}
